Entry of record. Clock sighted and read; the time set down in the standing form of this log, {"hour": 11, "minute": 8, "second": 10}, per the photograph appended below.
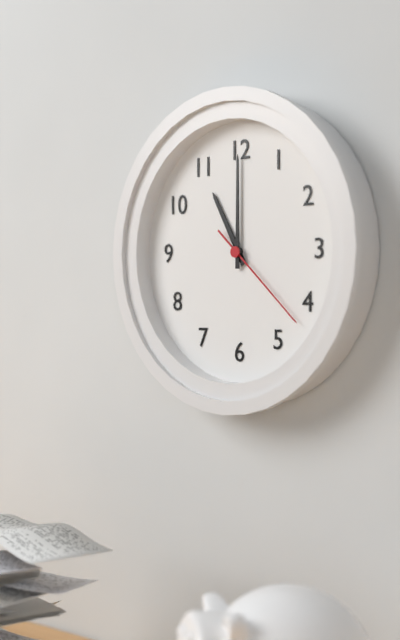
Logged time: {"hour": 11, "minute": 0, "second": 22}
